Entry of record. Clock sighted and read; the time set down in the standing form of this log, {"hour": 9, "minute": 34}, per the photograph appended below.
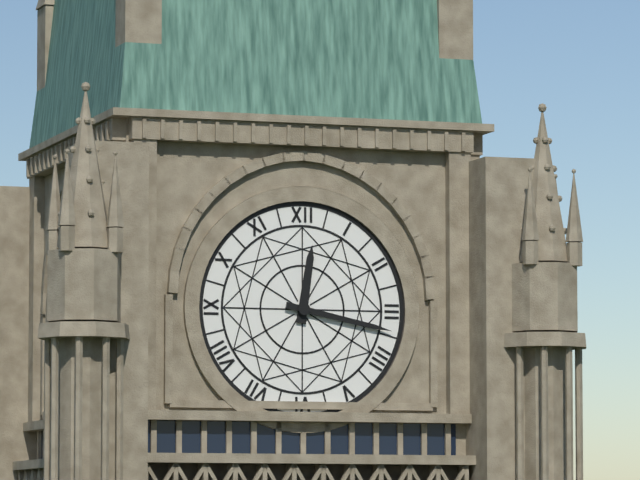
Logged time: {"hour": 12, "minute": 17}
